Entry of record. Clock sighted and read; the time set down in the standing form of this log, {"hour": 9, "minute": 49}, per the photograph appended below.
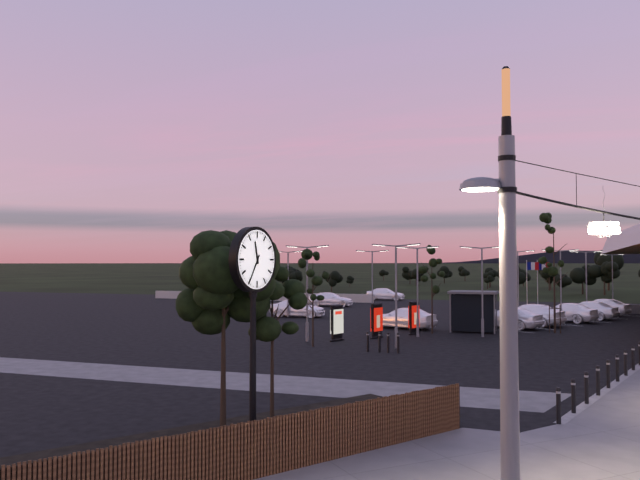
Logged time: {"hour": 11, "minute": 35}
